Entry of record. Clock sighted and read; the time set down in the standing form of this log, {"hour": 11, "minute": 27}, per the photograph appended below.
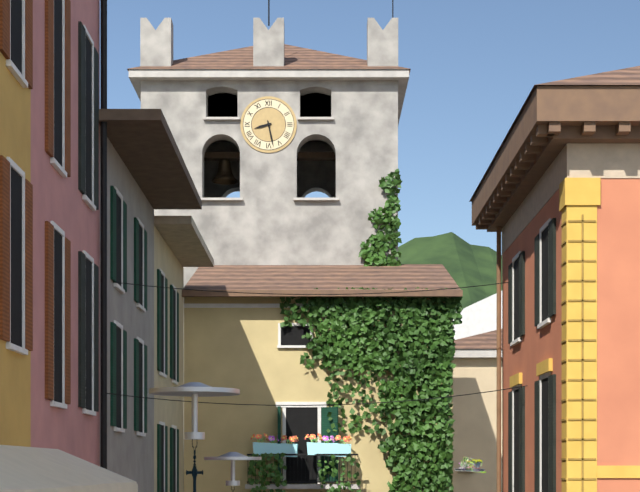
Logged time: {"hour": 8, "minute": 28}
